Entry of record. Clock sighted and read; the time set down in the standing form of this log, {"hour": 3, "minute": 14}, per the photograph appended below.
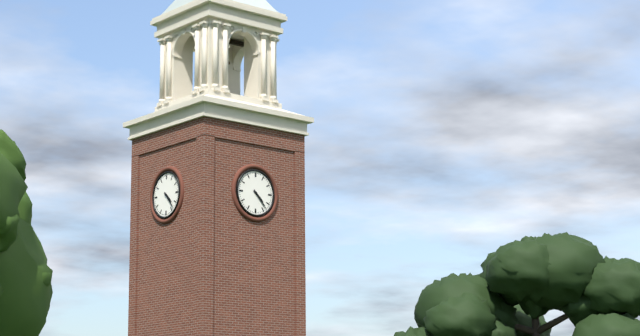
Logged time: {"hour": 4, "minute": 23}
